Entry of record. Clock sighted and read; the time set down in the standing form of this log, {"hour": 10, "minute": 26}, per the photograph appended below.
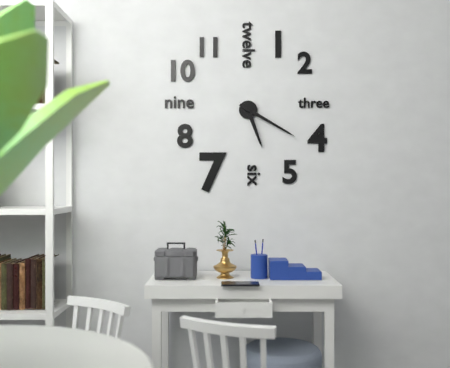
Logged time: {"hour": 5, "minute": 20}
